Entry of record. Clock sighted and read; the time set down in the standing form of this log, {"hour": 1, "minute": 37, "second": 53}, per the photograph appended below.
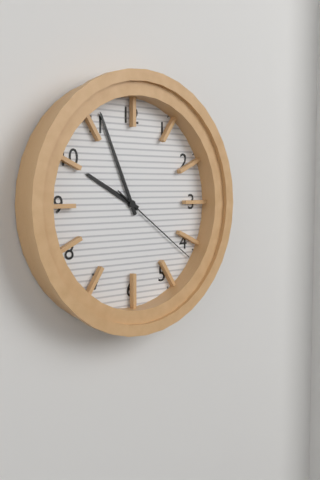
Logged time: {"hour": 9, "minute": 56, "second": 21}
